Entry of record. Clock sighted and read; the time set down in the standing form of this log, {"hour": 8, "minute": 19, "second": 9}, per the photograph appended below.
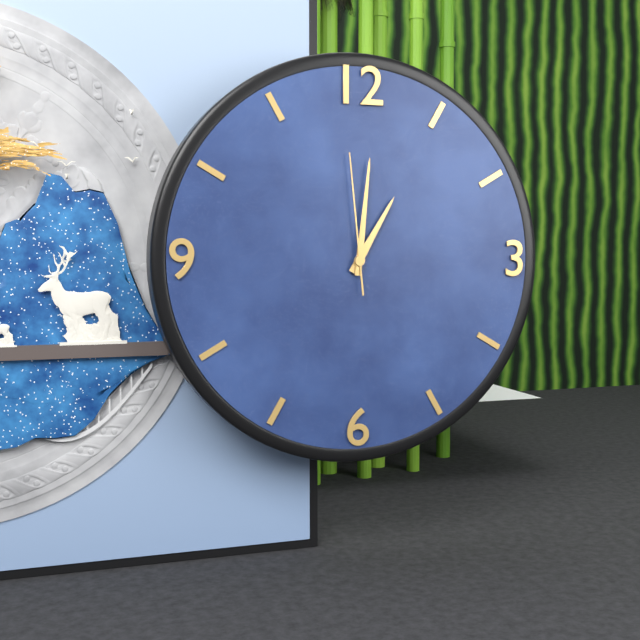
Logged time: {"hour": 1, "minute": 1, "second": 59}
